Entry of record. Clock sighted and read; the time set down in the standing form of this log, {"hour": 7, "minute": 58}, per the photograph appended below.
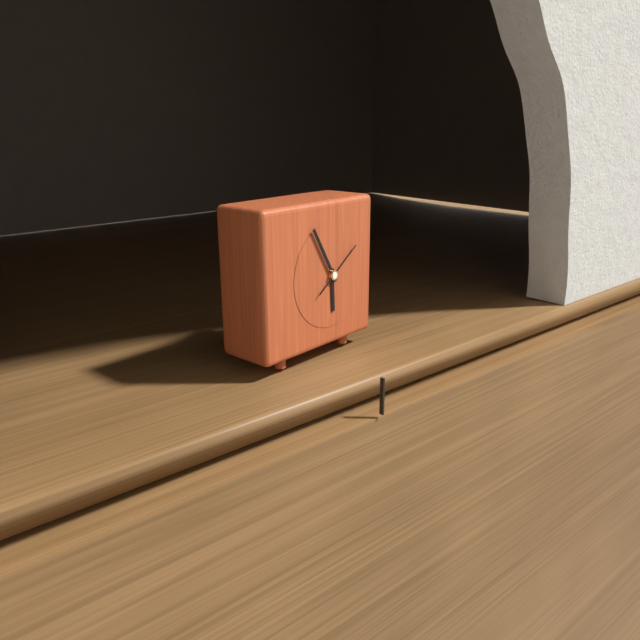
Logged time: {"hour": 5, "minute": 55}
